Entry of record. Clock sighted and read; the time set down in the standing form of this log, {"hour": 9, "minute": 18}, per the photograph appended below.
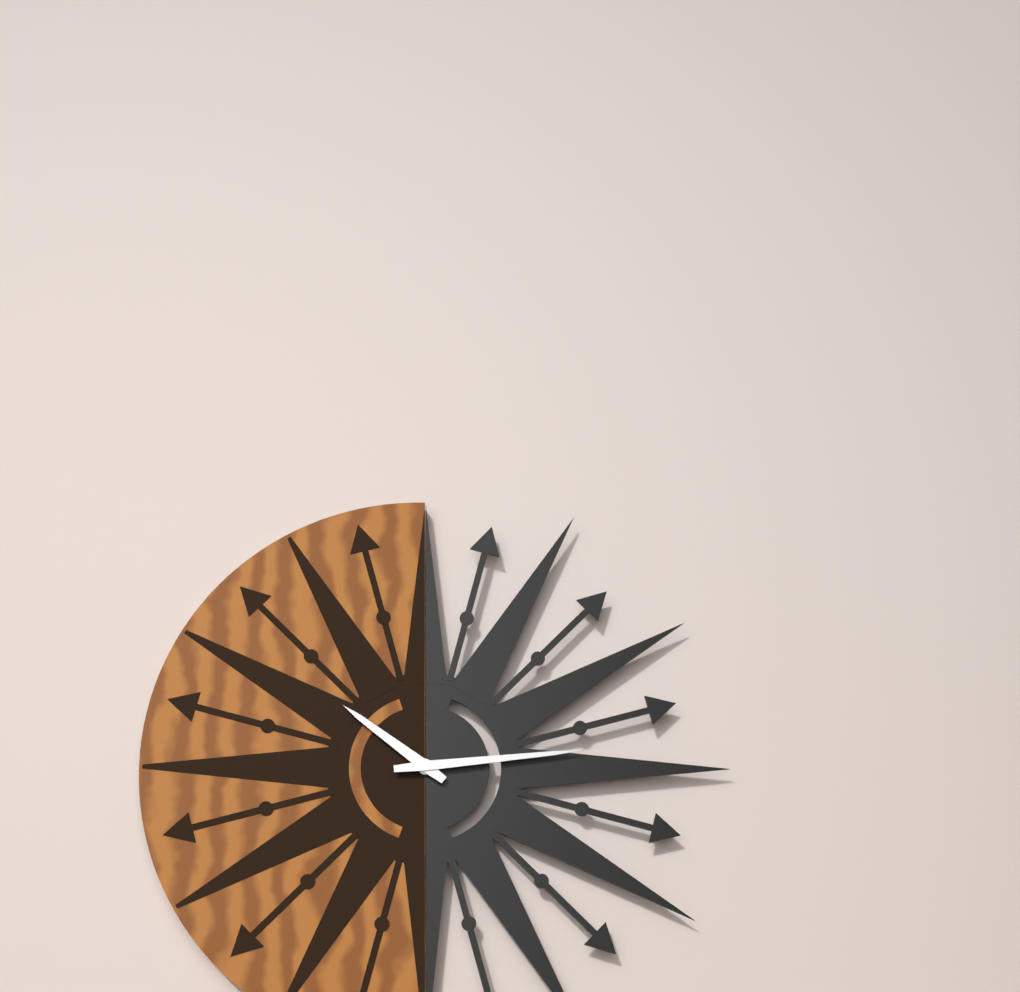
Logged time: {"hour": 10, "minute": 14}
